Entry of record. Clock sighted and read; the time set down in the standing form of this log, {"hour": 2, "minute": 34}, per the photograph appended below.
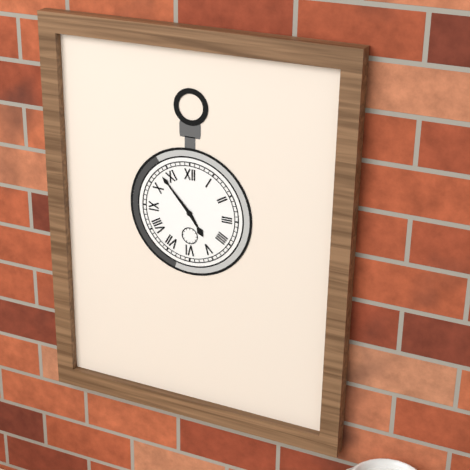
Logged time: {"hour": 4, "minute": 53}
